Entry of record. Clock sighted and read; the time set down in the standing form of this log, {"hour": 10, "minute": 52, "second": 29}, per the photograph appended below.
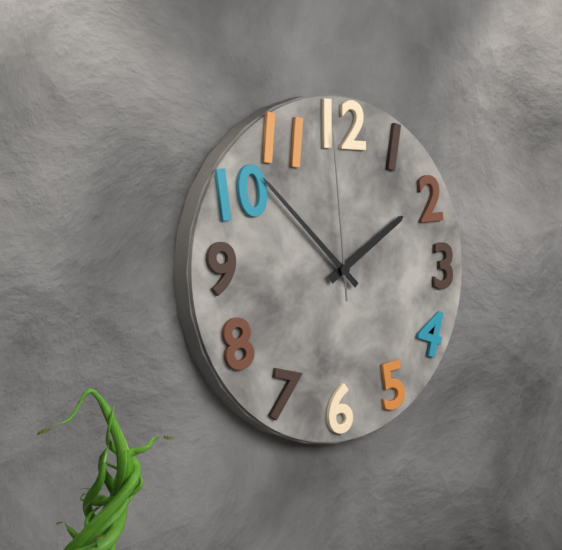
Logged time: {"hour": 1, "minute": 52, "second": 59}
